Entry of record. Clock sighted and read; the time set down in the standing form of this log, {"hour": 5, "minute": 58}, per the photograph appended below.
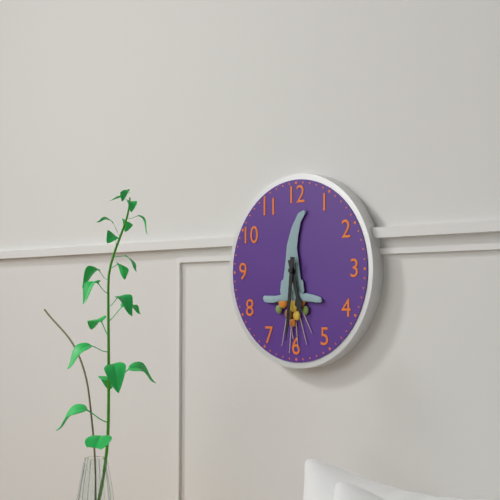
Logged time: {"hour": 5, "minute": 31}
